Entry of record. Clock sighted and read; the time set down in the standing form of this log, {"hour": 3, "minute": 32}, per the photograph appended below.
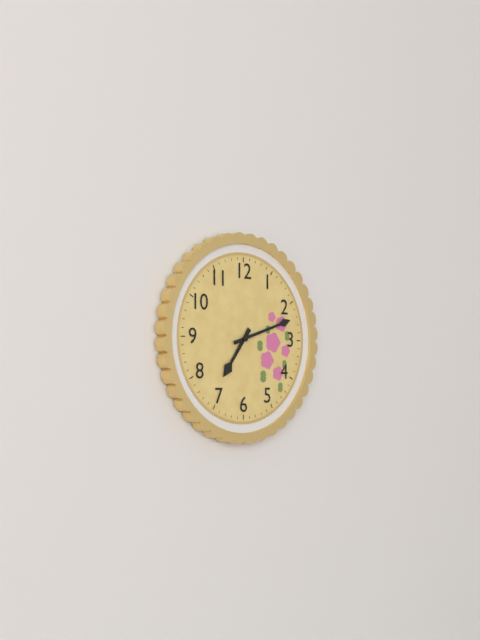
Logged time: {"hour": 7, "minute": 12}
